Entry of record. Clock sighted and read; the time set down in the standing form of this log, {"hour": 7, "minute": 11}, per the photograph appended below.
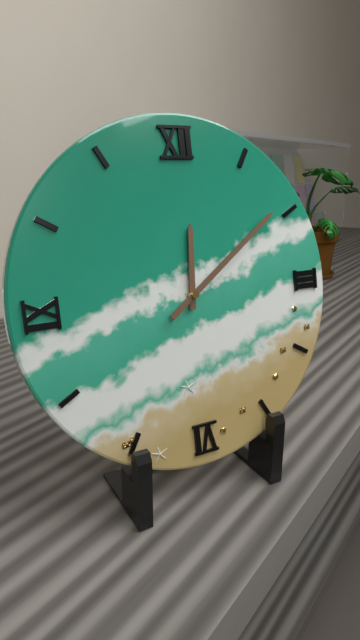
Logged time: {"hour": 12, "minute": 9}
